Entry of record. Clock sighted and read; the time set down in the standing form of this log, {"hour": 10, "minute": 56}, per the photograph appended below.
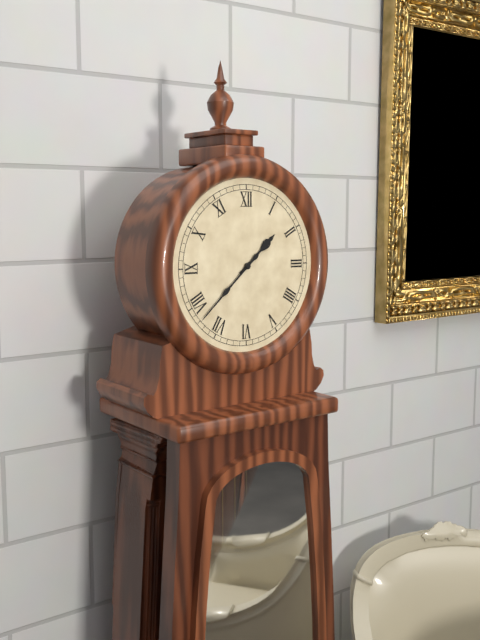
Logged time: {"hour": 1, "minute": 38}
